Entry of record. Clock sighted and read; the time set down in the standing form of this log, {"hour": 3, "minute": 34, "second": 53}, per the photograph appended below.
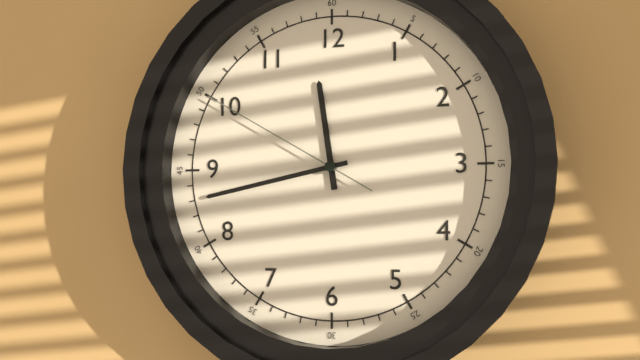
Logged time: {"hour": 11, "minute": 43, "second": 50}
